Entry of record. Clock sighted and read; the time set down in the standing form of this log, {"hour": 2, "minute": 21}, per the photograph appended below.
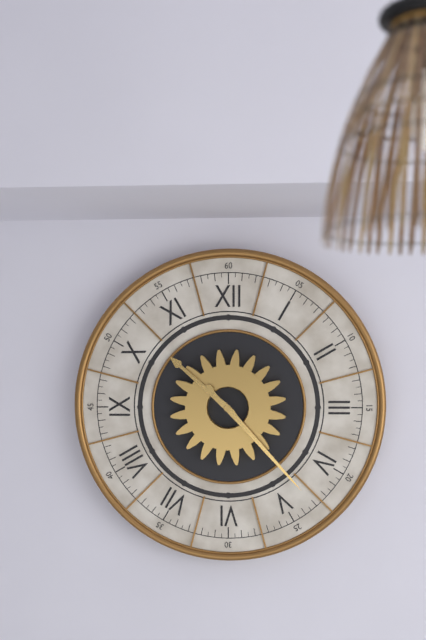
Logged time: {"hour": 10, "minute": 23}
